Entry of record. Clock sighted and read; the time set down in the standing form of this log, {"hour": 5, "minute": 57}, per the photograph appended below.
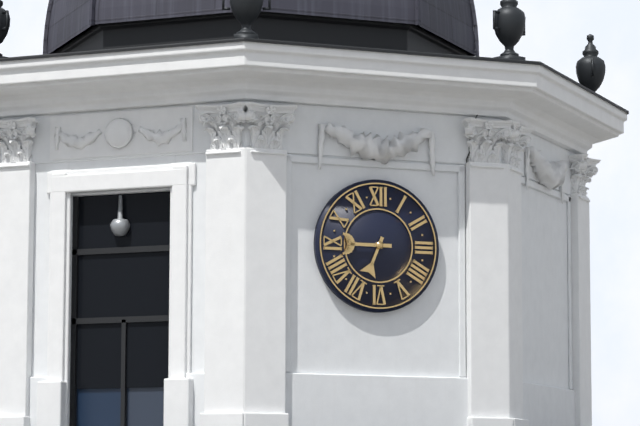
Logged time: {"hour": 6, "minute": 45}
